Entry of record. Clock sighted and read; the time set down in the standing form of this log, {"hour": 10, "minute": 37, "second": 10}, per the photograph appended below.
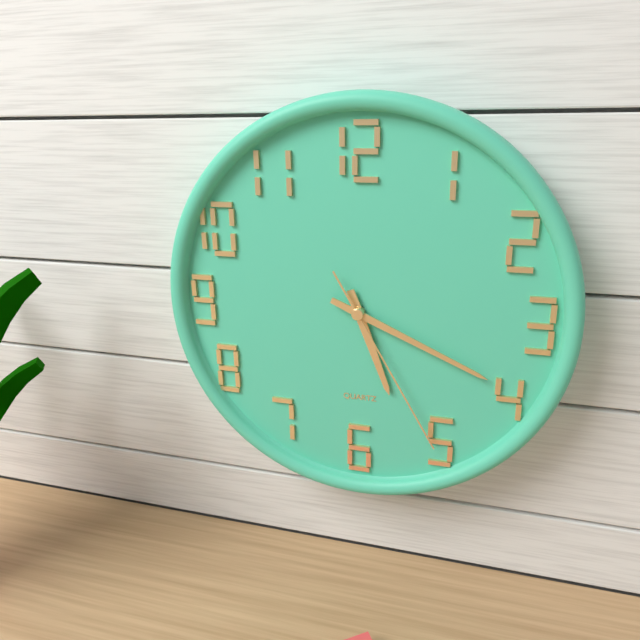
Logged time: {"hour": 5, "minute": 19, "second": 25}
